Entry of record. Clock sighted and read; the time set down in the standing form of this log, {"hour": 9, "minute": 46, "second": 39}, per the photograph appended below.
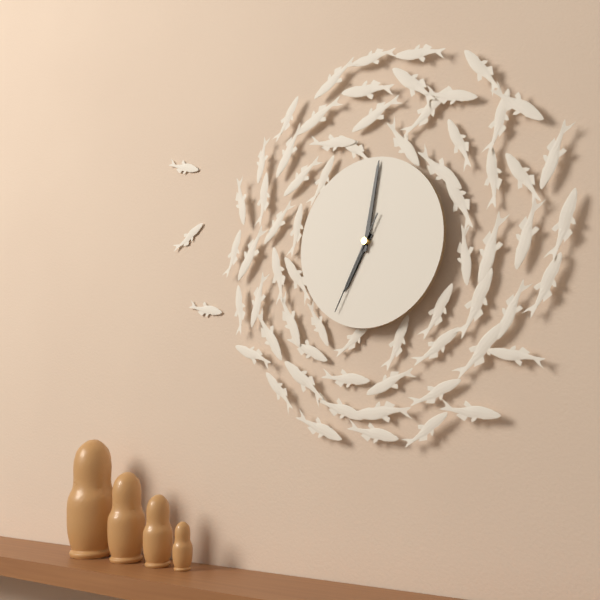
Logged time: {"hour": 7, "minute": 2, "second": 35}
